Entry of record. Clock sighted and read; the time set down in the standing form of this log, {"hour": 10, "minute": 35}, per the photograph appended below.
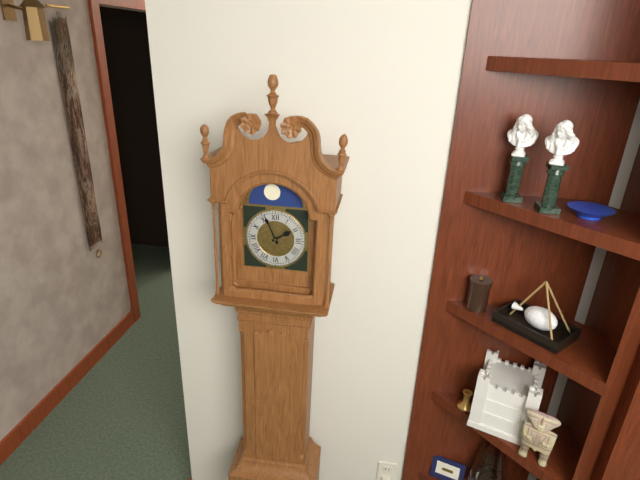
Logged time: {"hour": 1, "minute": 56}
